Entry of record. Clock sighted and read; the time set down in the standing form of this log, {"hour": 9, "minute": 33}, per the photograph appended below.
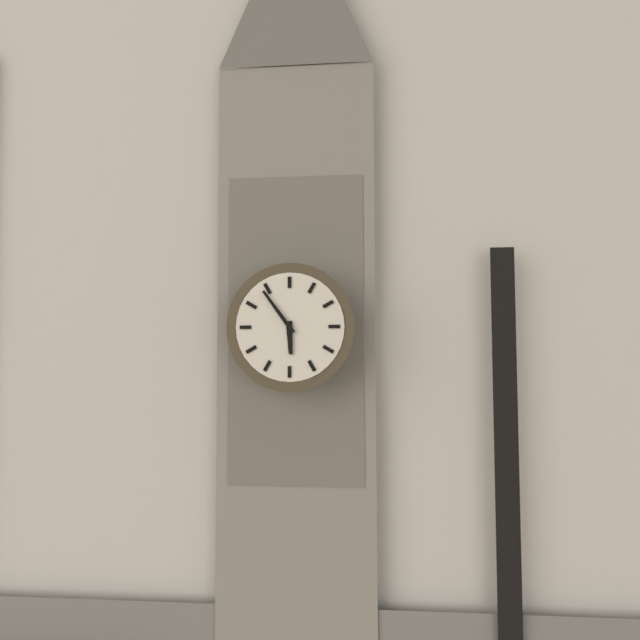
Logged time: {"hour": 5, "minute": 54}
